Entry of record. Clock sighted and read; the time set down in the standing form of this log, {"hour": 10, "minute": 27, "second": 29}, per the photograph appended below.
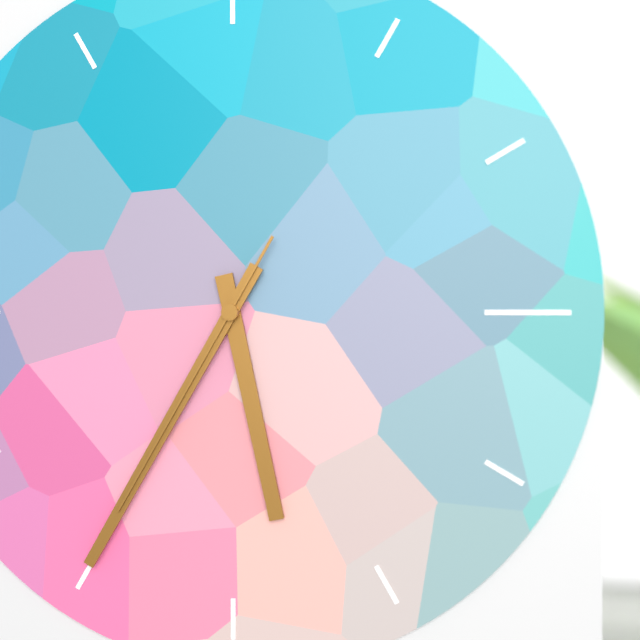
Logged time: {"hour": 5, "minute": 35, "second": 35}
